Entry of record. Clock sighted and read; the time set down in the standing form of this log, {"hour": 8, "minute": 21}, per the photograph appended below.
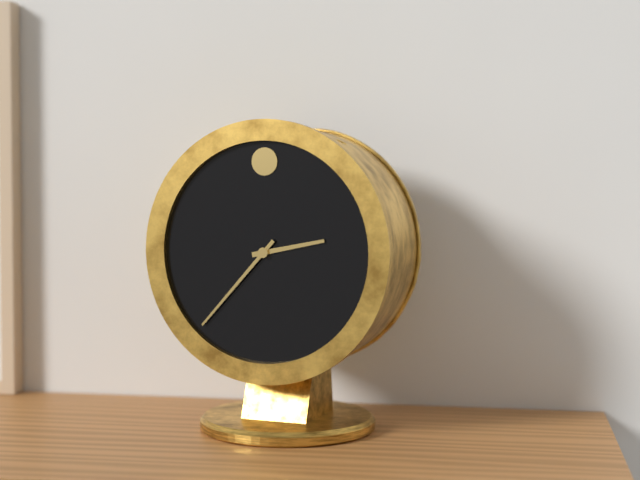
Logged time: {"hour": 2, "minute": 37}
